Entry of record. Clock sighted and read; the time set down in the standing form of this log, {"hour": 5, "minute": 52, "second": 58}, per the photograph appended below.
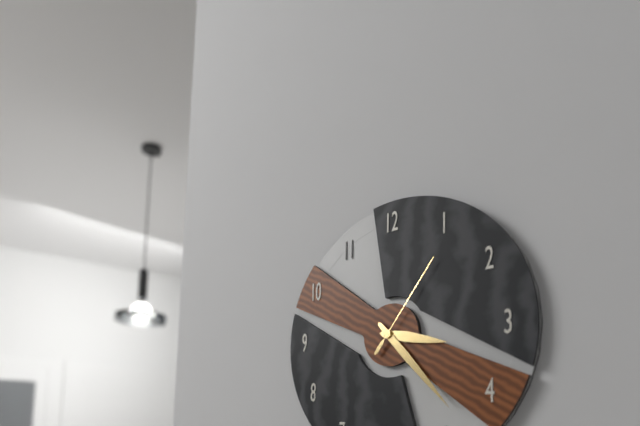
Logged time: {"hour": 3, "minute": 23, "second": 6}
